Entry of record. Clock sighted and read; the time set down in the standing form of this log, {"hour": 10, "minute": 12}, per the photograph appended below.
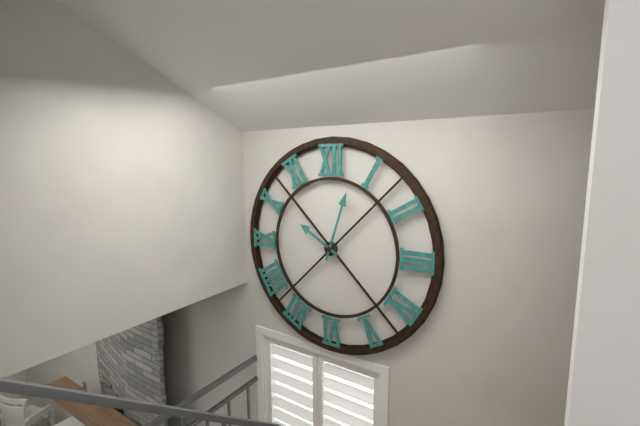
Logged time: {"hour": 10, "minute": 3}
